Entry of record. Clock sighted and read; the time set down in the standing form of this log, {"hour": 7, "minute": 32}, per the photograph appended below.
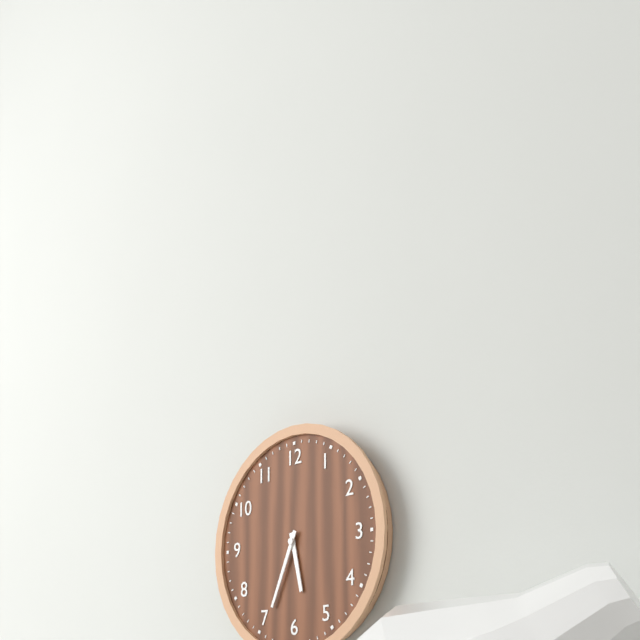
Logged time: {"hour": 5, "minute": 34}
